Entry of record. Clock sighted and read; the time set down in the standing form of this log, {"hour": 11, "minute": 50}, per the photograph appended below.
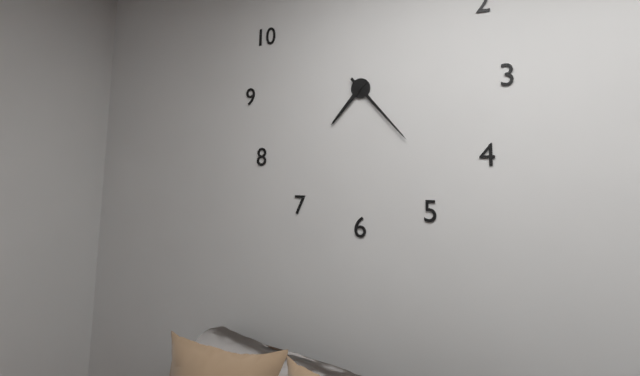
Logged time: {"hour": 7, "minute": 23}
